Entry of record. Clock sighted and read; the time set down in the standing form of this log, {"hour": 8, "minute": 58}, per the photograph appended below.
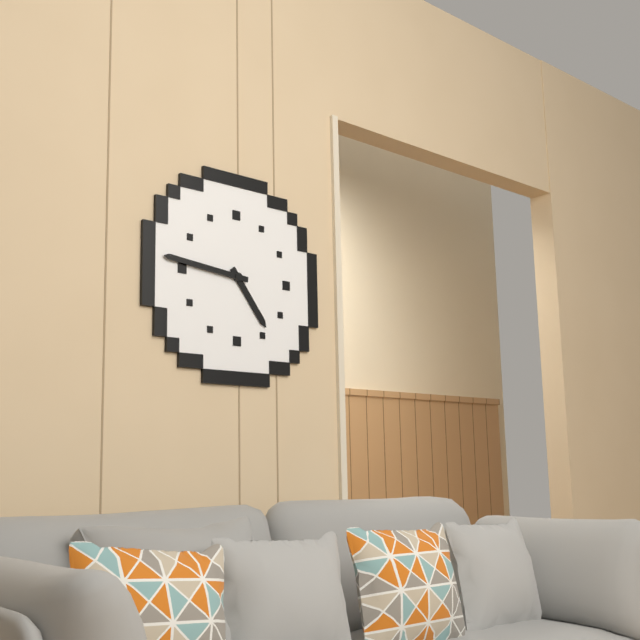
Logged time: {"hour": 4, "minute": 46}
